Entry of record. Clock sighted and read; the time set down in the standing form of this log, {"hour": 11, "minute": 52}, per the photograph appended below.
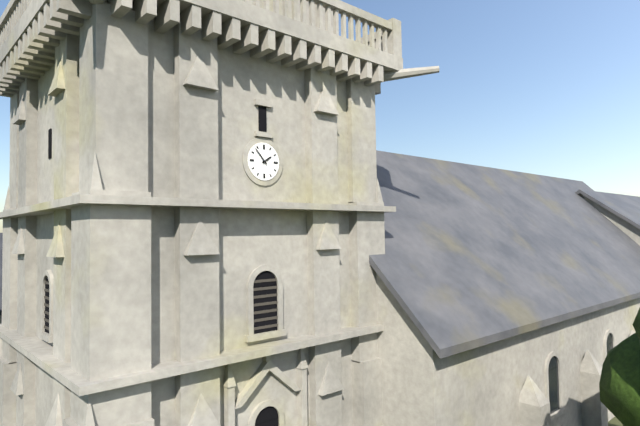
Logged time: {"hour": 1, "minute": 53}
